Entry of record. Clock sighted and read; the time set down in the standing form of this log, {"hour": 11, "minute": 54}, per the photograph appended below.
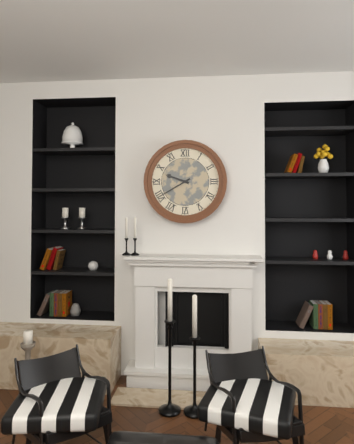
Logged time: {"hour": 9, "minute": 40}
